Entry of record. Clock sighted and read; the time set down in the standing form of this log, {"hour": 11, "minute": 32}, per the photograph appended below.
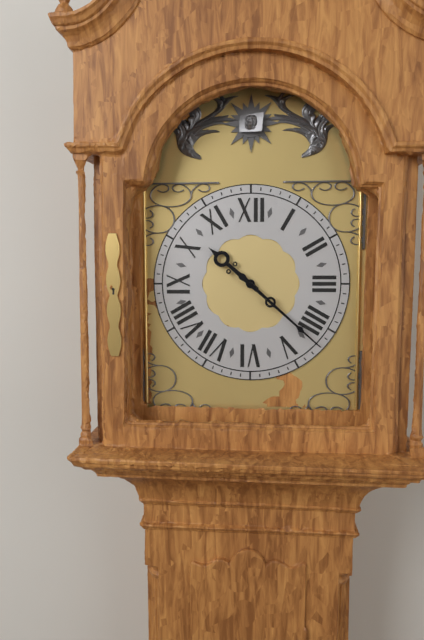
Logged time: {"hour": 10, "minute": 22}
